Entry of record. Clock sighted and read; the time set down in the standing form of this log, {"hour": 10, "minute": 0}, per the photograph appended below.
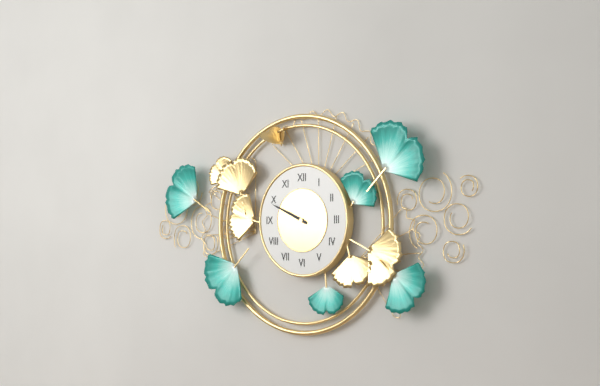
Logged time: {"hour": 9, "minute": 49}
